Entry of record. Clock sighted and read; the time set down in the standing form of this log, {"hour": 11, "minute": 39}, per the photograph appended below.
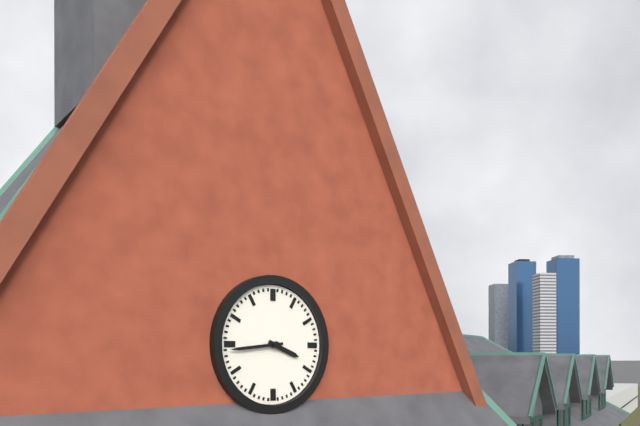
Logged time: {"hour": 3, "minute": 44}
